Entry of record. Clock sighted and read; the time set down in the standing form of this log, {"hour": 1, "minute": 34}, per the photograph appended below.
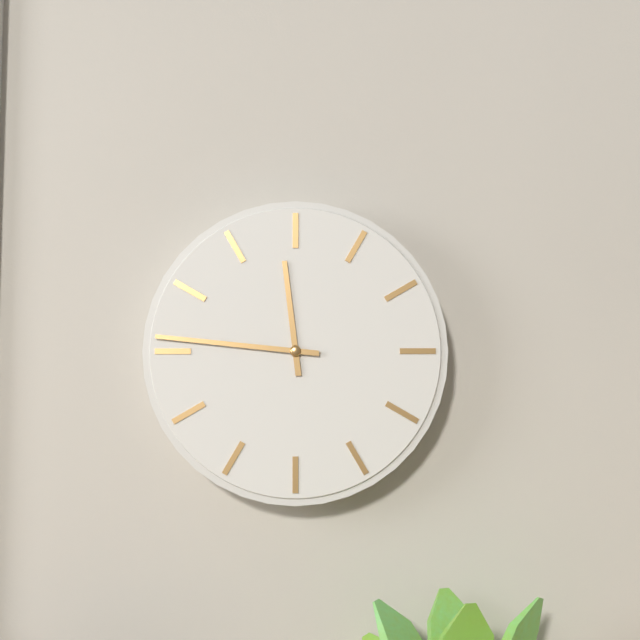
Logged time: {"hour": 11, "minute": 46}
